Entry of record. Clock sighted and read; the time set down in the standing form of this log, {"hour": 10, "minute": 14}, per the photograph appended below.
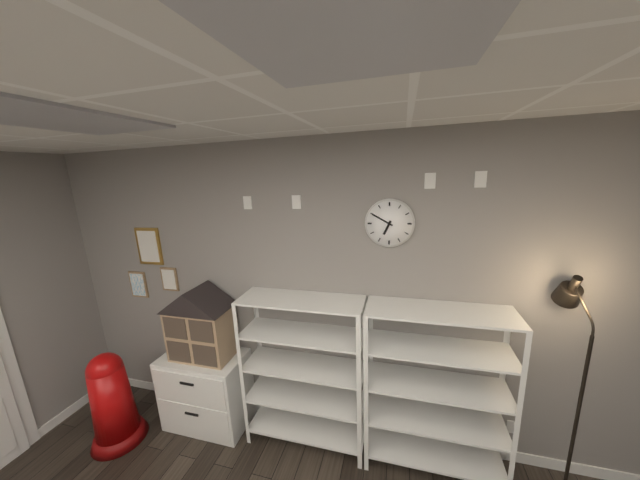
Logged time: {"hour": 6, "minute": 50}
